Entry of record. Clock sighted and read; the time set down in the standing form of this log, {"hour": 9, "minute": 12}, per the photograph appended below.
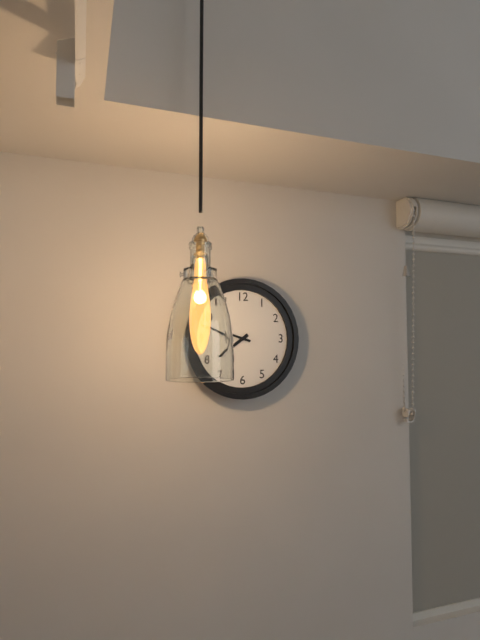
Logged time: {"hour": 7, "minute": 48}
